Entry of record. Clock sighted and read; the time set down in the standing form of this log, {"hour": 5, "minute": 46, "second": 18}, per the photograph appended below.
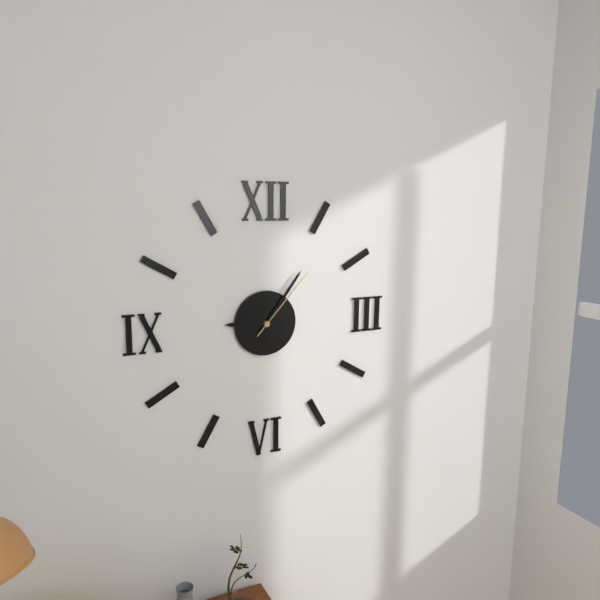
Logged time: {"hour": 9, "minute": 6, "second": 7}
